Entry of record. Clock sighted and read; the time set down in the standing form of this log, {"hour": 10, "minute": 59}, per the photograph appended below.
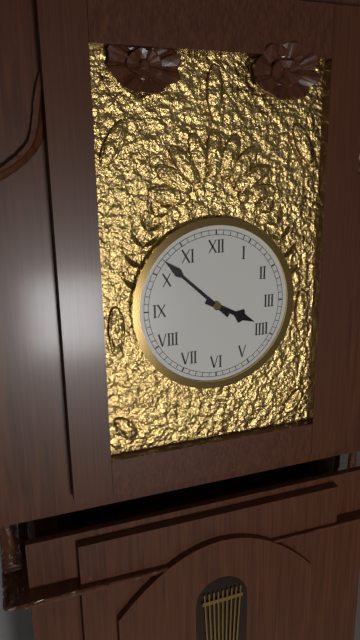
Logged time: {"hour": 3, "minute": 52}
